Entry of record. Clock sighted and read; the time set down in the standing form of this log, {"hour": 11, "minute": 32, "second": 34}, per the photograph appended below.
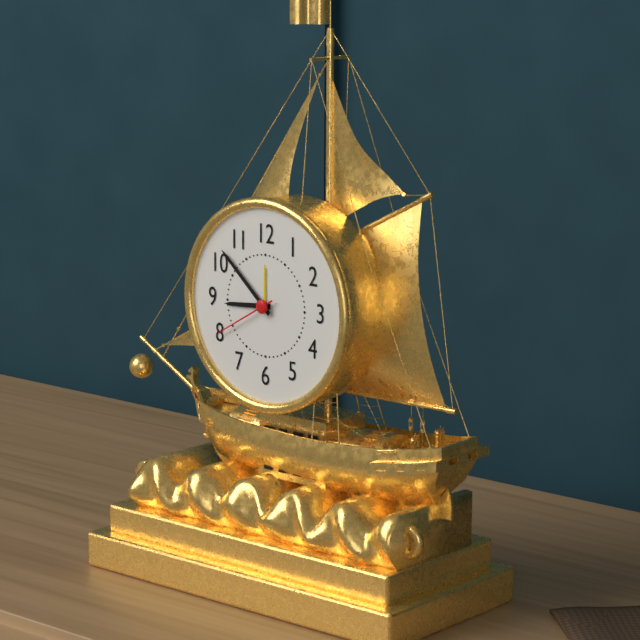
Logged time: {"hour": 8, "minute": 52, "second": 40}
